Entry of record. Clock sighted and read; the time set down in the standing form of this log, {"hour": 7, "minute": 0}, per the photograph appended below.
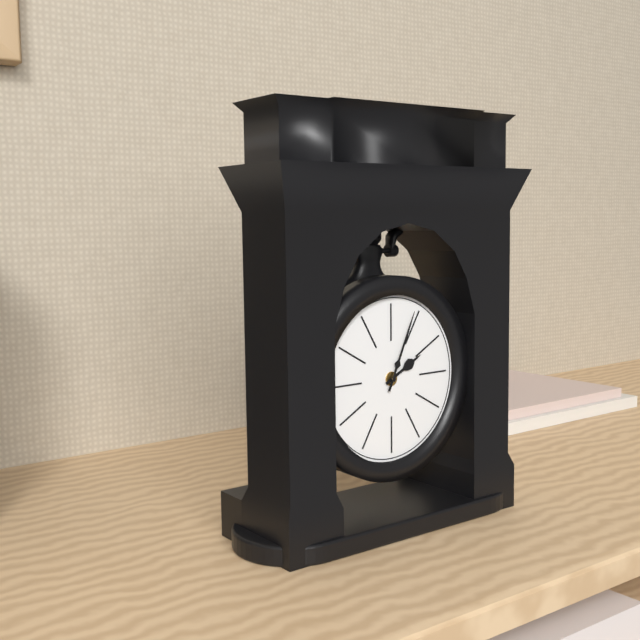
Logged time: {"hour": 2, "minute": 4}
